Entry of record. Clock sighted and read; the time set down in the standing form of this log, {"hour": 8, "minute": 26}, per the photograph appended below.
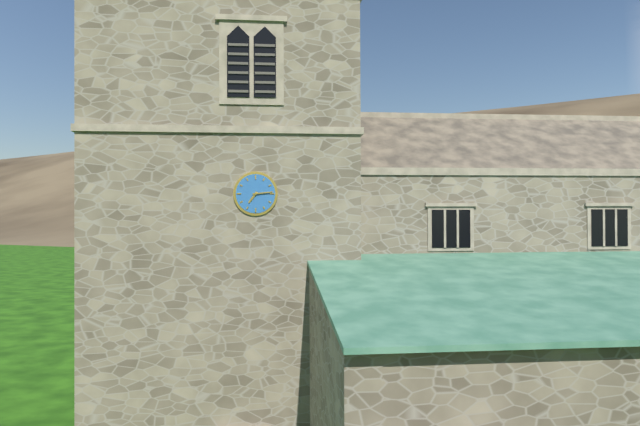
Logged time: {"hour": 7, "minute": 14}
